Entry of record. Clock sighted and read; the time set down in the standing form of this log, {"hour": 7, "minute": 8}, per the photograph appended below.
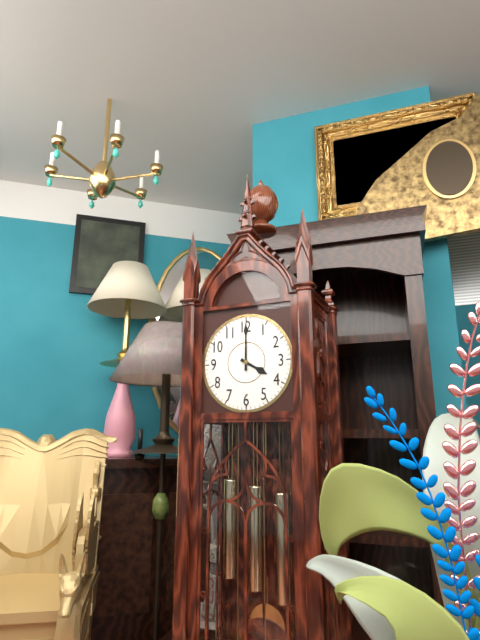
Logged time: {"hour": 4, "minute": 0}
